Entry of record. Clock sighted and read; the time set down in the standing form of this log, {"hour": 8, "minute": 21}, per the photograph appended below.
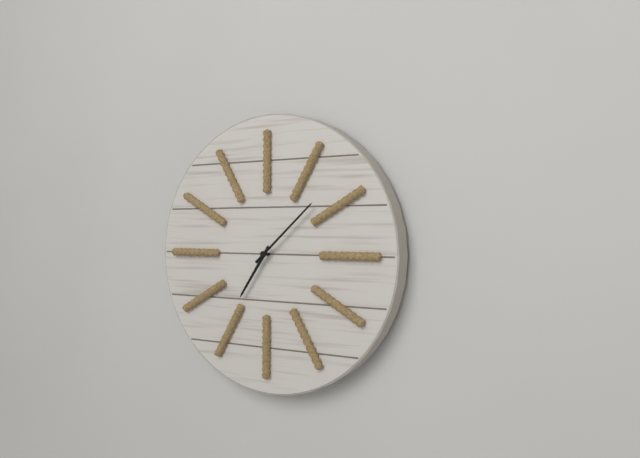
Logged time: {"hour": 7, "minute": 8}
